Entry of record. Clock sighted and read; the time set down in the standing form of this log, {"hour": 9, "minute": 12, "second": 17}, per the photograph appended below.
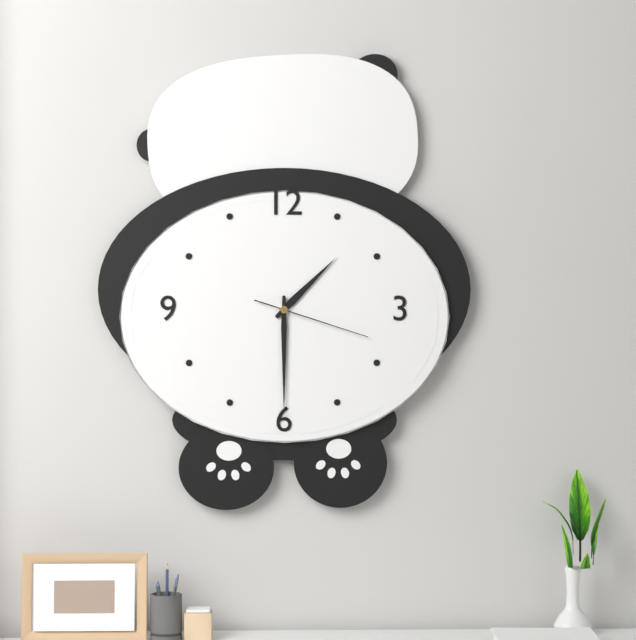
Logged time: {"hour": 1, "minute": 30, "second": 18}
